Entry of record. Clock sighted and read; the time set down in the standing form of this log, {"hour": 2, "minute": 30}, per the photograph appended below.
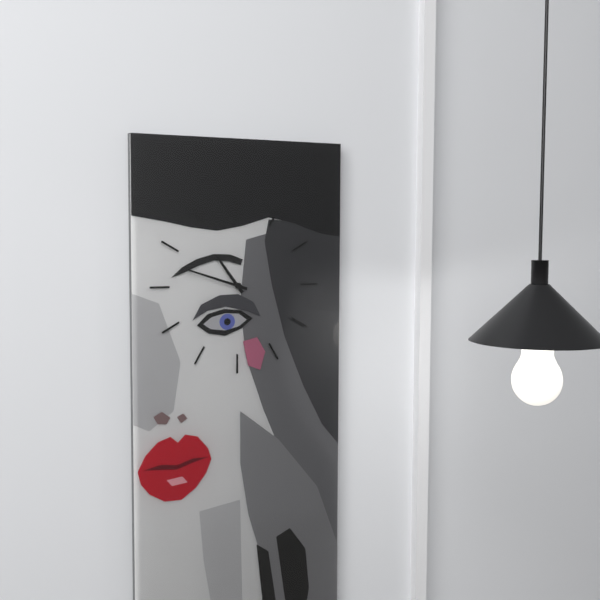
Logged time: {"hour": 10, "minute": 48}
